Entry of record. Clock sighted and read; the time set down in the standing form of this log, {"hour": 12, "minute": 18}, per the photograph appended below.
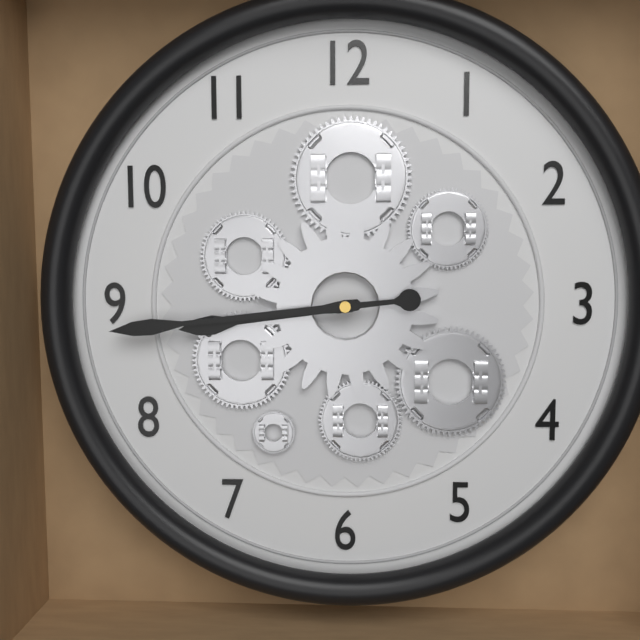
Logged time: {"hour": 8, "minute": 44}
